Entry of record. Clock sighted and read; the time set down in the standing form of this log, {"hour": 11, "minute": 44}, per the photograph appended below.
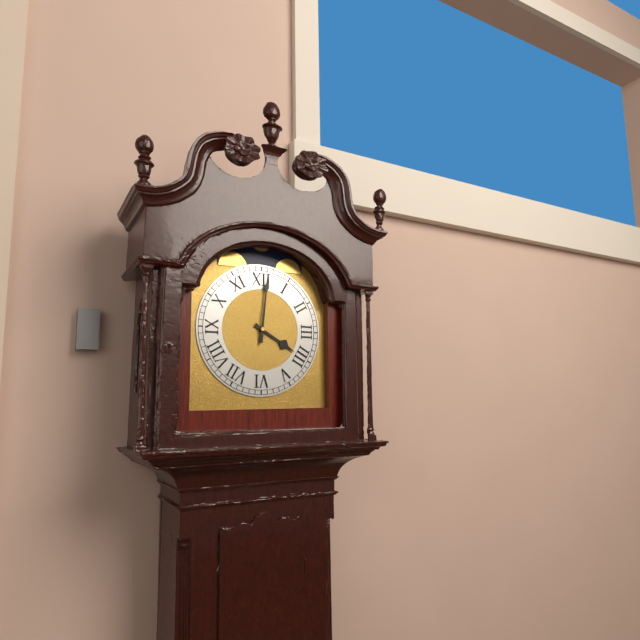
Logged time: {"hour": 4, "minute": 1}
